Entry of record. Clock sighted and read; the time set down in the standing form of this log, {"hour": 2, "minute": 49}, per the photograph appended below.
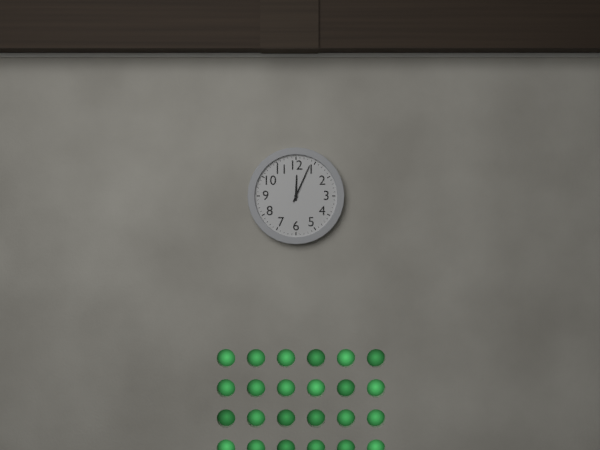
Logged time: {"hour": 12, "minute": 4}
